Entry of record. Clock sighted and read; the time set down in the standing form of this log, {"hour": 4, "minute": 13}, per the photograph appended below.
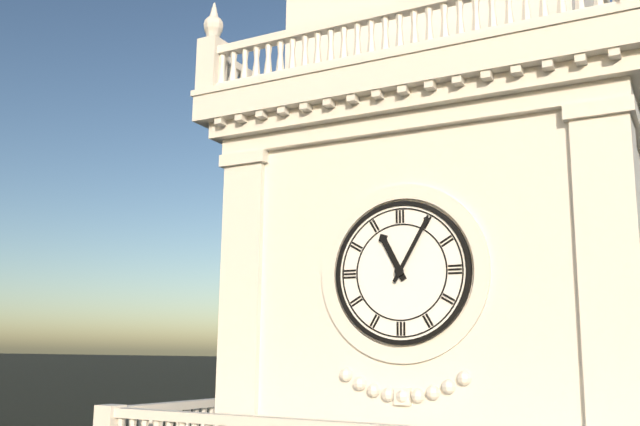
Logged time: {"hour": 11, "minute": 5}
